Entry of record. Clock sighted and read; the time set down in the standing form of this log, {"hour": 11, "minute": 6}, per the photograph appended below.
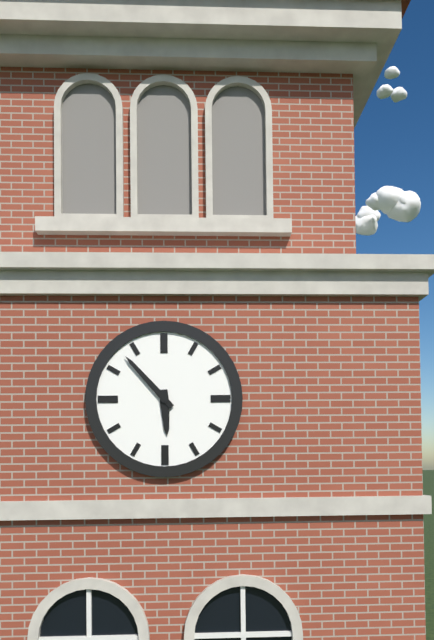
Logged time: {"hour": 5, "minute": 53}
